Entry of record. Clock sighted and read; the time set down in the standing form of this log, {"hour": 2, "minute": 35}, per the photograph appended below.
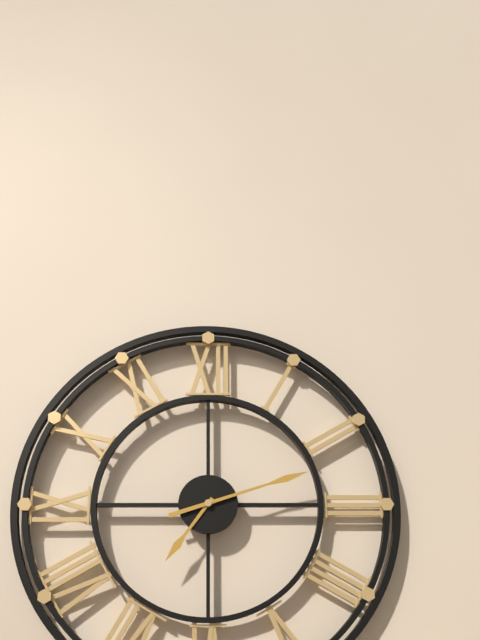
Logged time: {"hour": 7, "minute": 12}
